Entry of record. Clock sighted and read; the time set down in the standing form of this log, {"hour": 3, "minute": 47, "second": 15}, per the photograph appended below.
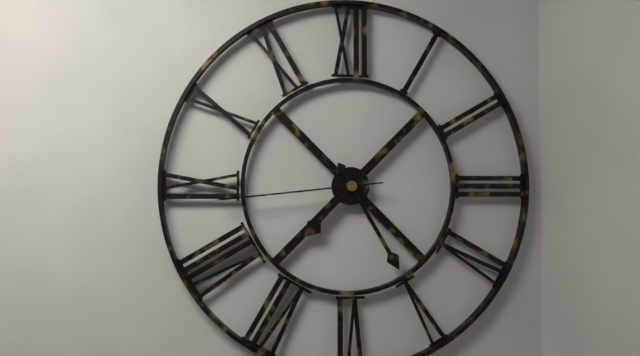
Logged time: {"hour": 7, "minute": 25, "second": 44}
